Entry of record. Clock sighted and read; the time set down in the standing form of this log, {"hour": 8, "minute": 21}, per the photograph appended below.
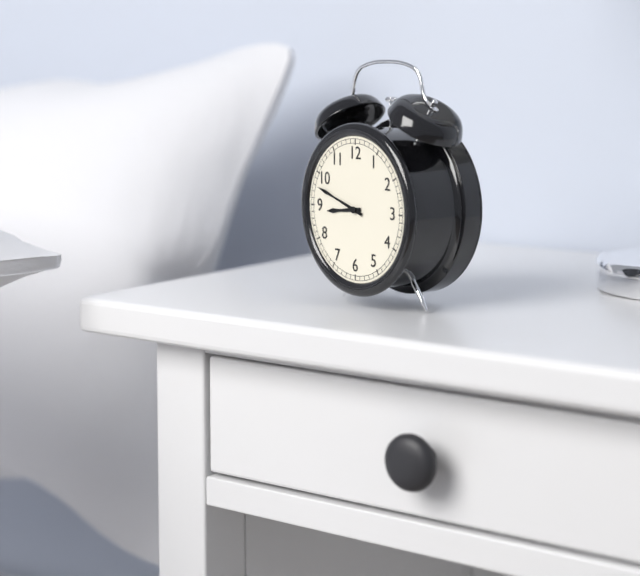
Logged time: {"hour": 8, "minute": 48}
